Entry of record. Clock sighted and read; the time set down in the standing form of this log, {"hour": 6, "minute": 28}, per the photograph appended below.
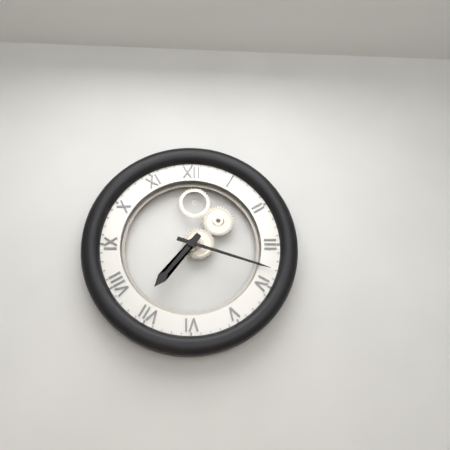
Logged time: {"hour": 7, "minute": 18}
